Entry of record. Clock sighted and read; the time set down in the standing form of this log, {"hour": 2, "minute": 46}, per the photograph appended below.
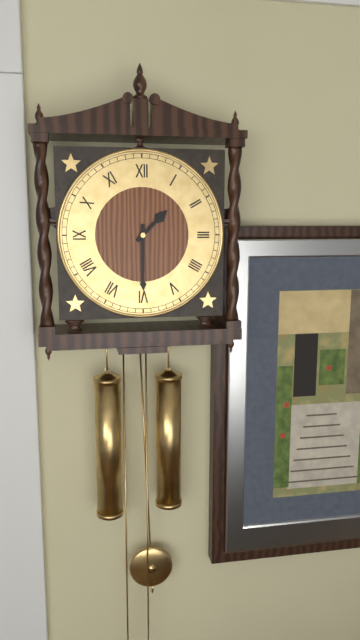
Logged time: {"hour": 1, "minute": 30}
